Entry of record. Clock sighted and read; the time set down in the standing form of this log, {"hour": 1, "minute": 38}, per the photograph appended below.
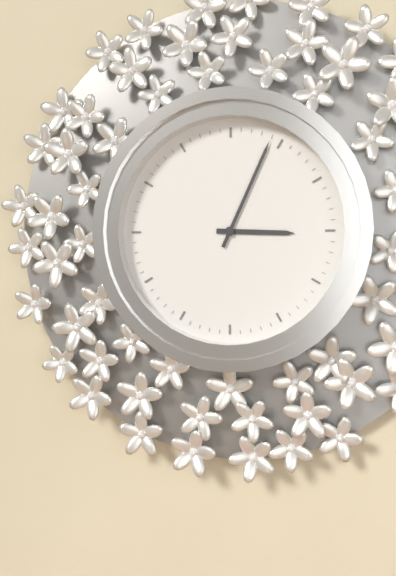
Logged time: {"hour": 3, "minute": 4}
